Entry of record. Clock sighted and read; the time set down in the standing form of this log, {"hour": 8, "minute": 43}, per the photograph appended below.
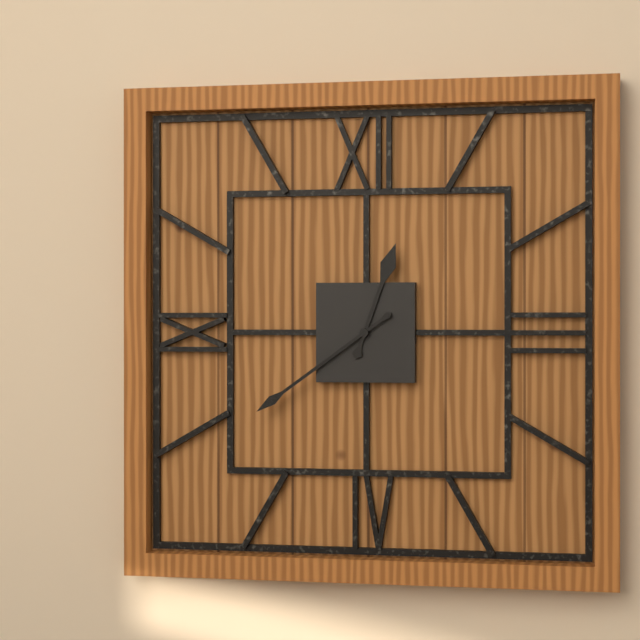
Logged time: {"hour": 12, "minute": 39}
